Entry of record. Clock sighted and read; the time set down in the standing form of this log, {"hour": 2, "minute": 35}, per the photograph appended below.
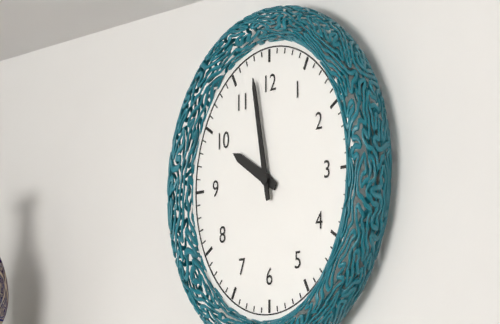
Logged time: {"hour": 9, "minute": 58}
